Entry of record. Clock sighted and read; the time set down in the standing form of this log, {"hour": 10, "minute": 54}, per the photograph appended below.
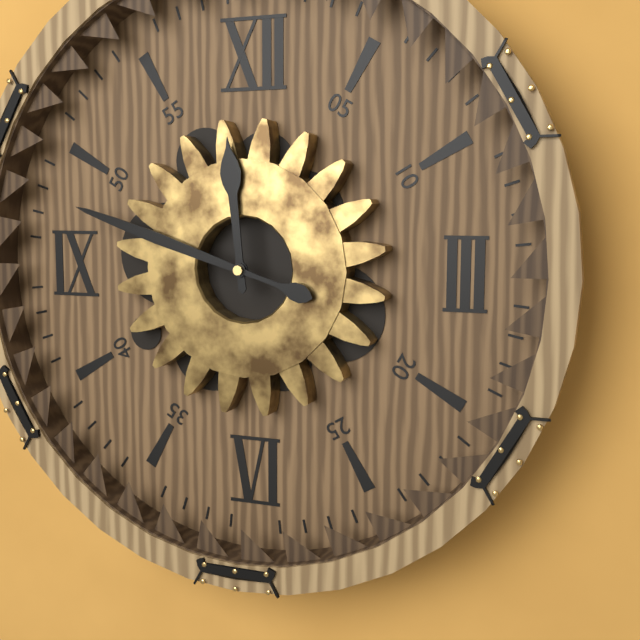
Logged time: {"hour": 11, "minute": 48}
